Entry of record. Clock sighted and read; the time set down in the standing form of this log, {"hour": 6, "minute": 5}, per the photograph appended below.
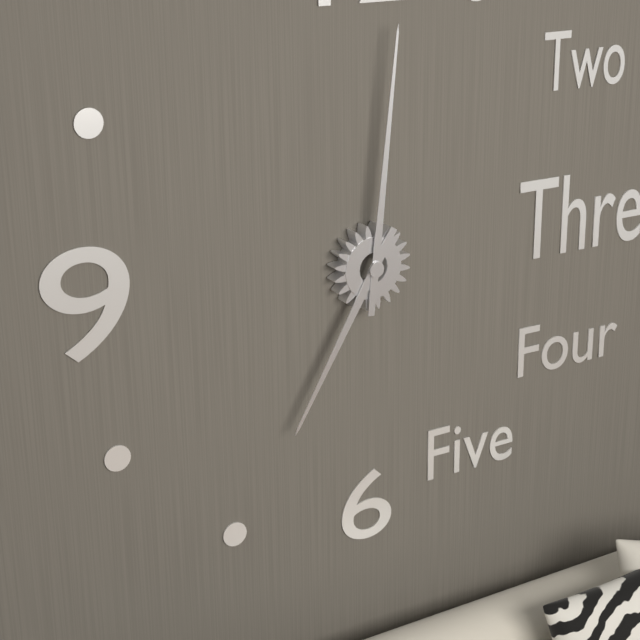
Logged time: {"hour": 7, "minute": 1}
